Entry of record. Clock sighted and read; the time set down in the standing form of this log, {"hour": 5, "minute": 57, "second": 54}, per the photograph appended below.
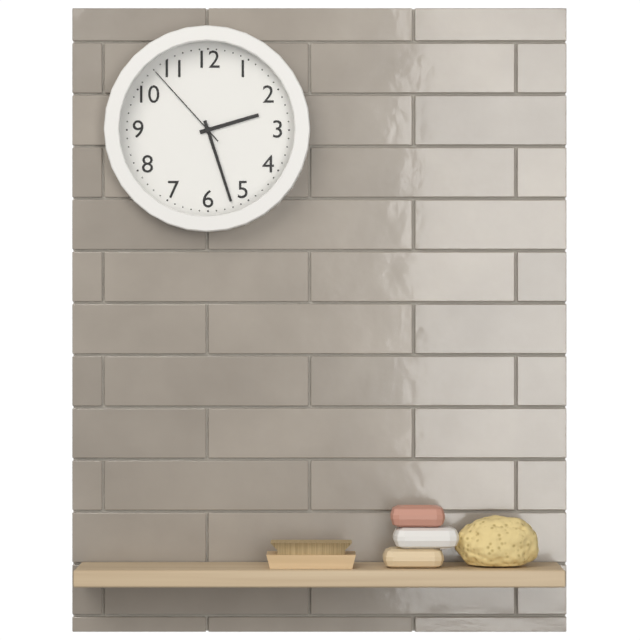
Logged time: {"hour": 2, "minute": 27, "second": 53}
